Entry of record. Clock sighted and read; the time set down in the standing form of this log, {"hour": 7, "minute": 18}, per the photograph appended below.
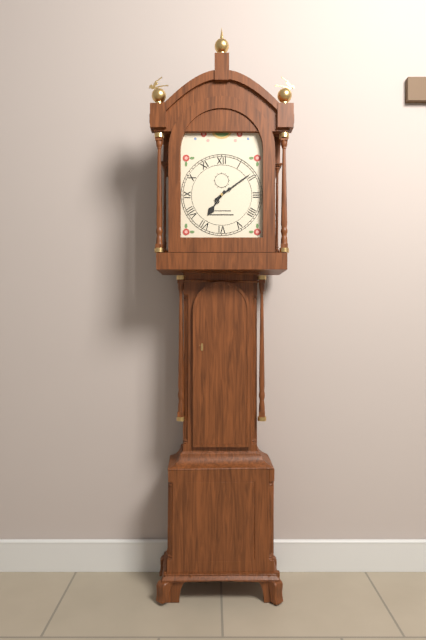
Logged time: {"hour": 7, "minute": 9}
